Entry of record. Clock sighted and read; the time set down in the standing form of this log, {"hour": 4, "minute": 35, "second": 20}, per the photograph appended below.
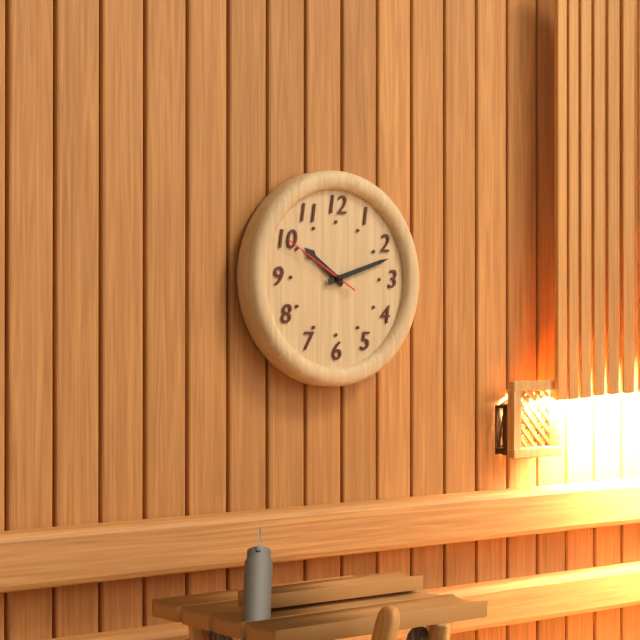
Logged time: {"hour": 10, "minute": 12, "second": 50}
